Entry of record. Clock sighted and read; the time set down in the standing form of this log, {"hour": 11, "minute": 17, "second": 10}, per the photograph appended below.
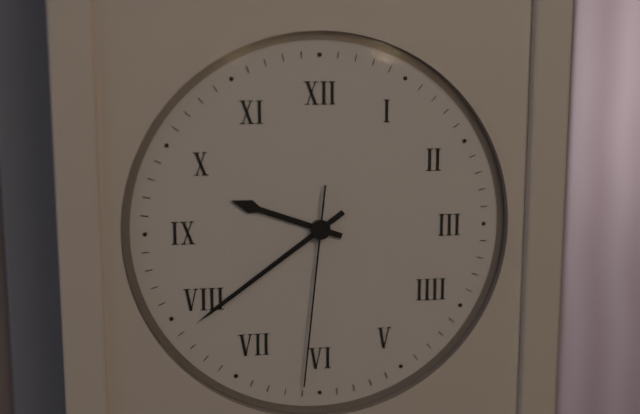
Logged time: {"hour": 9, "minute": 39, "second": 31}
